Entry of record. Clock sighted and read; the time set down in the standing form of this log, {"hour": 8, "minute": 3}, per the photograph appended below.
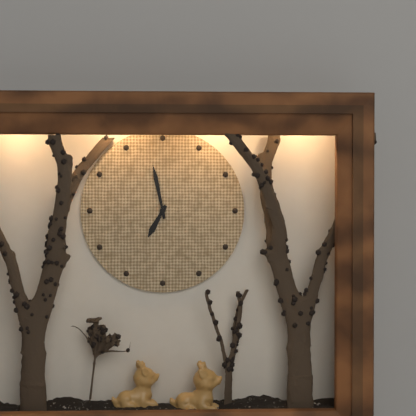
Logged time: {"hour": 6, "minute": 58}
